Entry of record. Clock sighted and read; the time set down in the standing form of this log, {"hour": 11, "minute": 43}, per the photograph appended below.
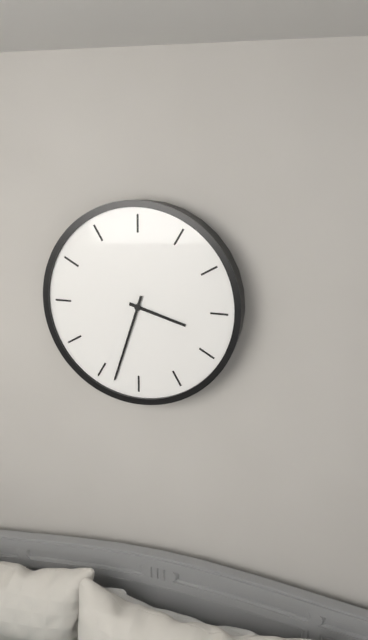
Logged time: {"hour": 3, "minute": 33}
